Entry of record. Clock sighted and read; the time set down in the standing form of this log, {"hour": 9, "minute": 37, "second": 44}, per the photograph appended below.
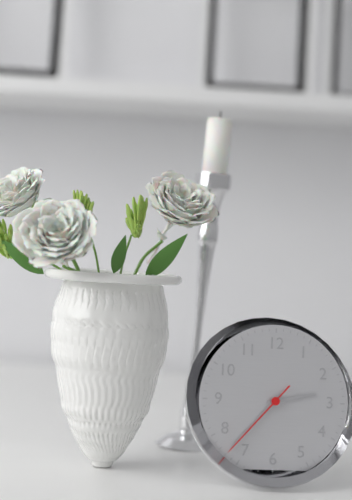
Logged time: {"hour": 2, "minute": 37, "second": 37}
